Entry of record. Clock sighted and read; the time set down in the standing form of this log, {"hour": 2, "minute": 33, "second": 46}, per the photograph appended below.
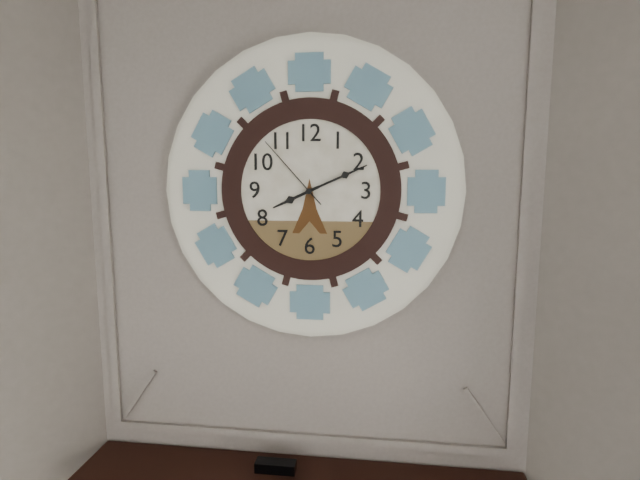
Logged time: {"hour": 8, "minute": 11, "second": 53}
